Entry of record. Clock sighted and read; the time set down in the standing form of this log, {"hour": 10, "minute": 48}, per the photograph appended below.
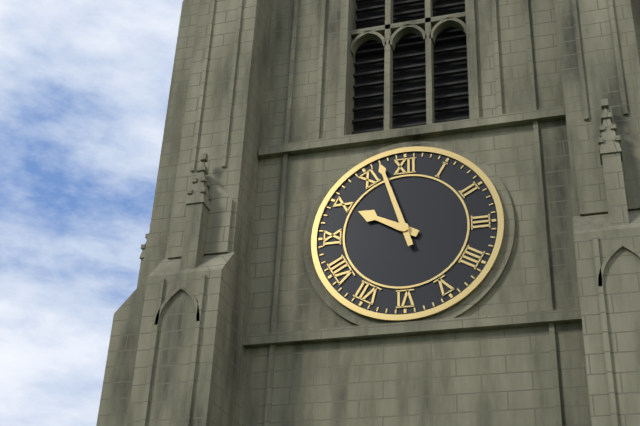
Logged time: {"hour": 9, "minute": 57}
